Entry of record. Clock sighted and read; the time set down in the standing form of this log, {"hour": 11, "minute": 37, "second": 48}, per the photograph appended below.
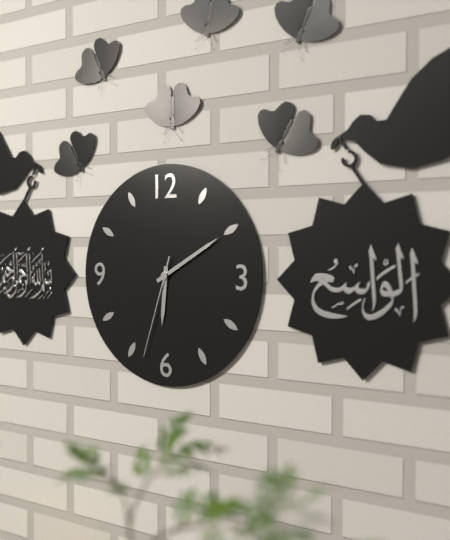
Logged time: {"hour": 6, "minute": 10, "second": 33}
